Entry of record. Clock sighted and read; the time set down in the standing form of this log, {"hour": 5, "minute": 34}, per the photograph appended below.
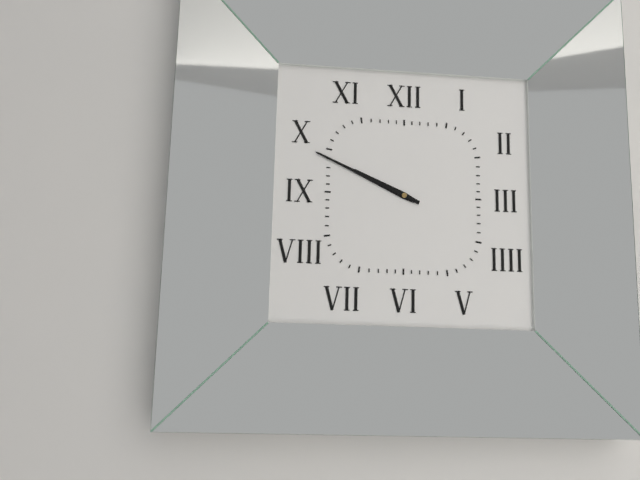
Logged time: {"hour": 9, "minute": 49}
